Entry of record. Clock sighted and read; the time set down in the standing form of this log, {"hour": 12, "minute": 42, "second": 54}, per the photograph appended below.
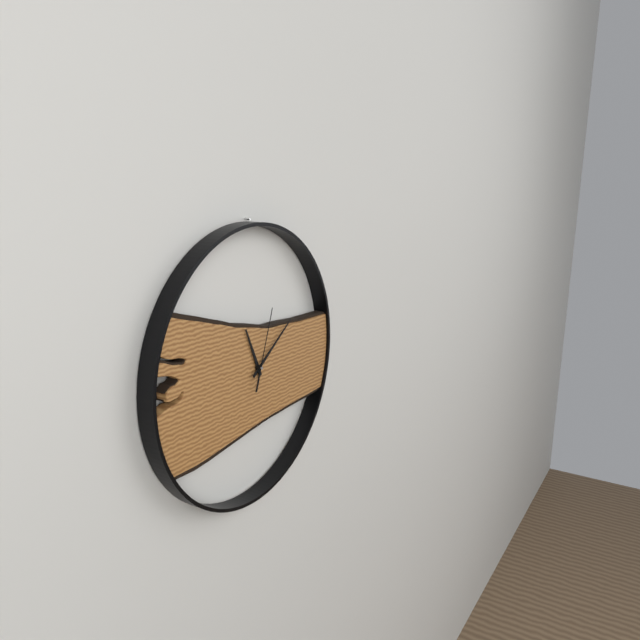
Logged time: {"hour": 11, "minute": 9, "second": 3}
